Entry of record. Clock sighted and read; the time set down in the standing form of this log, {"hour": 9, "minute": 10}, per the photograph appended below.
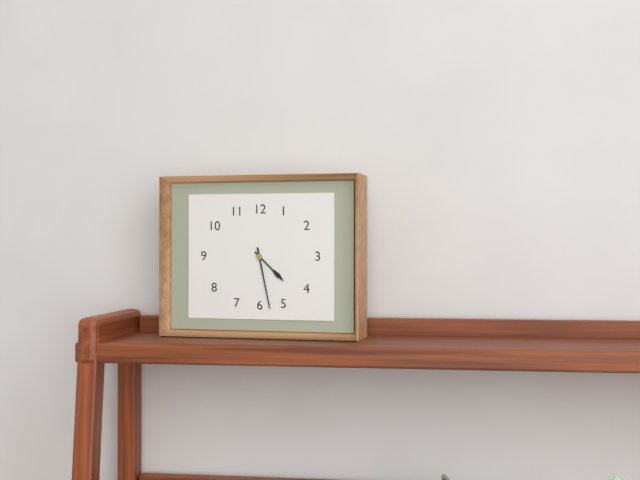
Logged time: {"hour": 4, "minute": 28}
